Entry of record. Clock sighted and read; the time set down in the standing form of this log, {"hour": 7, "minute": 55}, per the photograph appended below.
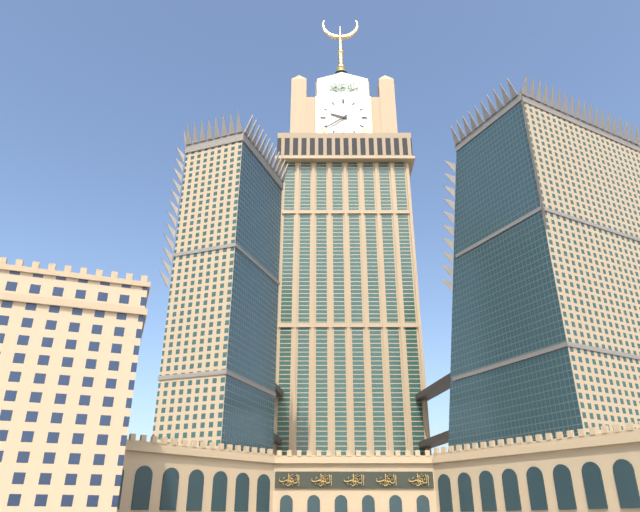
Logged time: {"hour": 9, "minute": 39}
